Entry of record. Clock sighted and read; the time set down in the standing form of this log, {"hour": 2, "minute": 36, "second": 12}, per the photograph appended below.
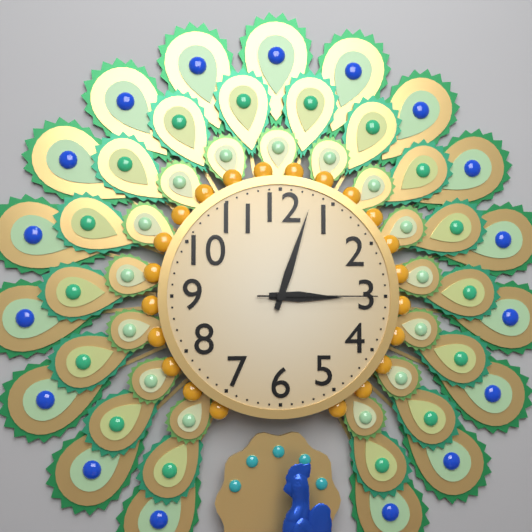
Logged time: {"hour": 3, "minute": 3, "second": 15}
